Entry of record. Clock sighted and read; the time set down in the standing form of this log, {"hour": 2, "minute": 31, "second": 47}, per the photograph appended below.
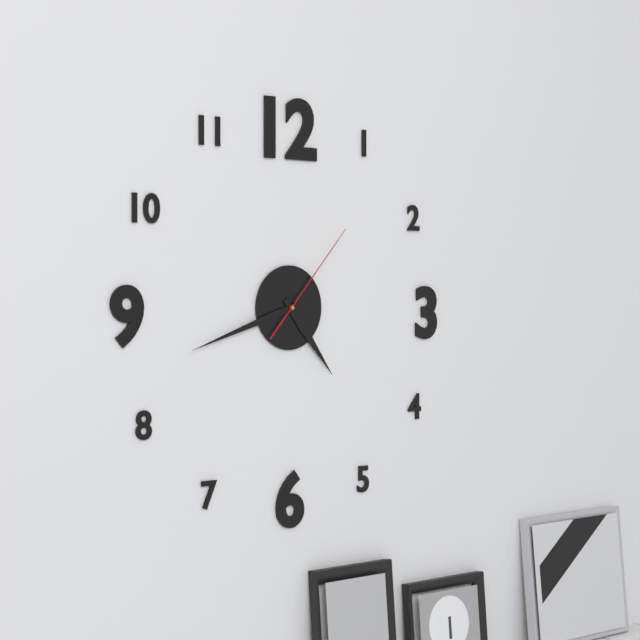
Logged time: {"hour": 4, "minute": 42, "second": 7}
